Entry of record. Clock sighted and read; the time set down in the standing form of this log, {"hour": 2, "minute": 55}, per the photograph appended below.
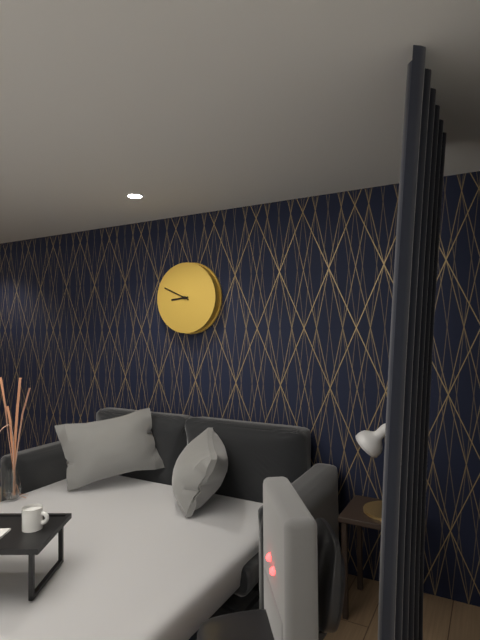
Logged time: {"hour": 8, "minute": 49}
